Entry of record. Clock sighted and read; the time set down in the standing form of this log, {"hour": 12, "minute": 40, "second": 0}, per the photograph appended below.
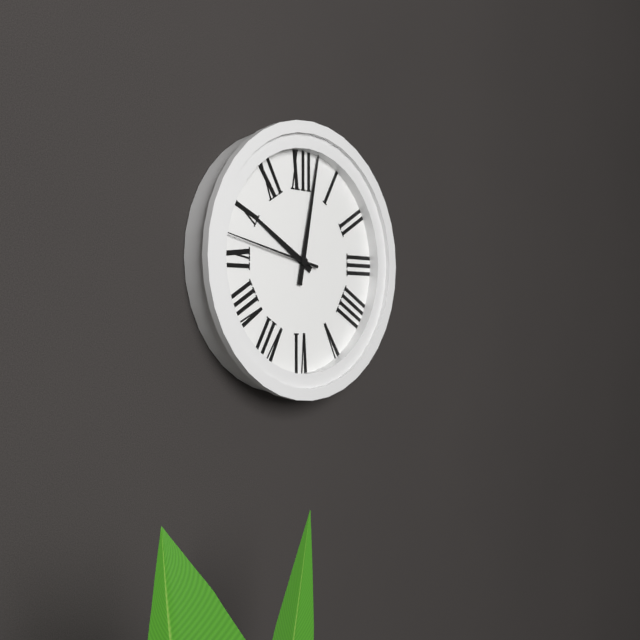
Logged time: {"hour": 10, "minute": 2, "second": 47}
